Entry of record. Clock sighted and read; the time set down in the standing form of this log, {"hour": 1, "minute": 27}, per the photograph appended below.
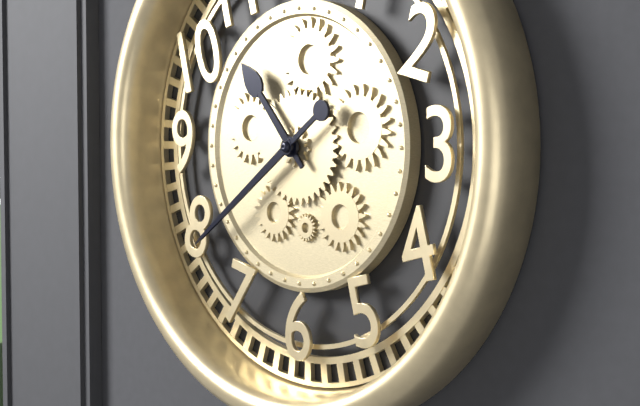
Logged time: {"hour": 10, "minute": 39}
